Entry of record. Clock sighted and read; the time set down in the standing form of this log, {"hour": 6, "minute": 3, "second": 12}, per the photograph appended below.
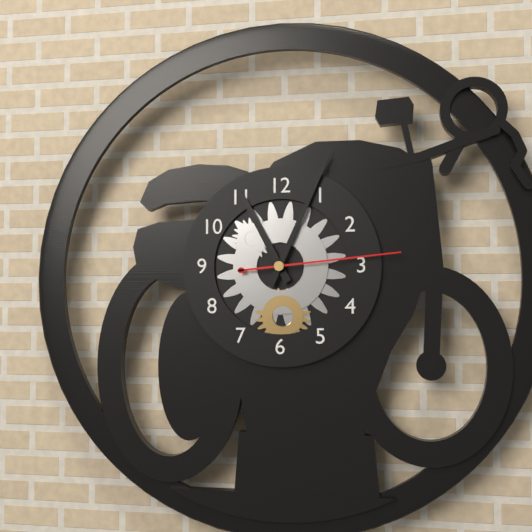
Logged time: {"hour": 11, "minute": 4, "second": 14}
